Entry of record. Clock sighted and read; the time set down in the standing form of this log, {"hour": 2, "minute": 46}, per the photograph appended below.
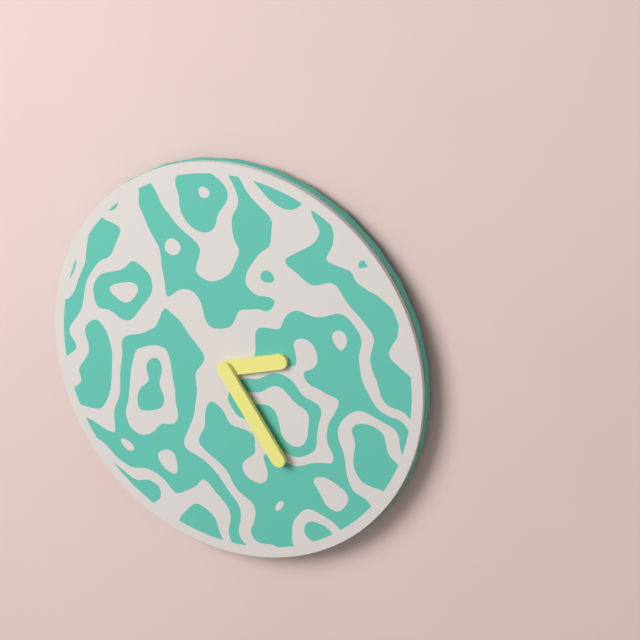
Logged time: {"hour": 2, "minute": 24}
